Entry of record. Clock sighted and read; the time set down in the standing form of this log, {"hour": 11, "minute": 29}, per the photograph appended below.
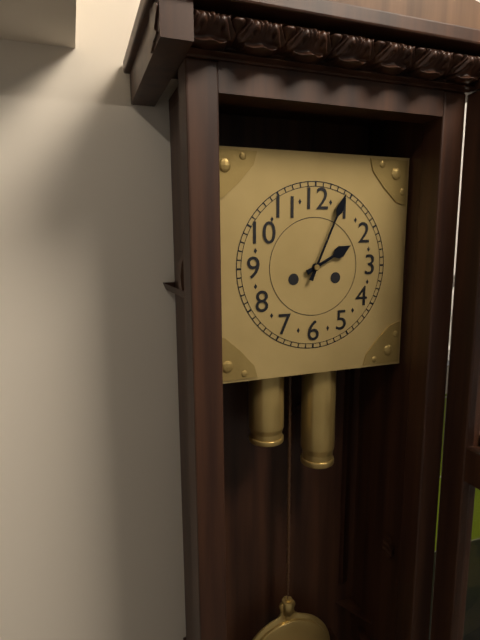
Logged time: {"hour": 2, "minute": 4}
